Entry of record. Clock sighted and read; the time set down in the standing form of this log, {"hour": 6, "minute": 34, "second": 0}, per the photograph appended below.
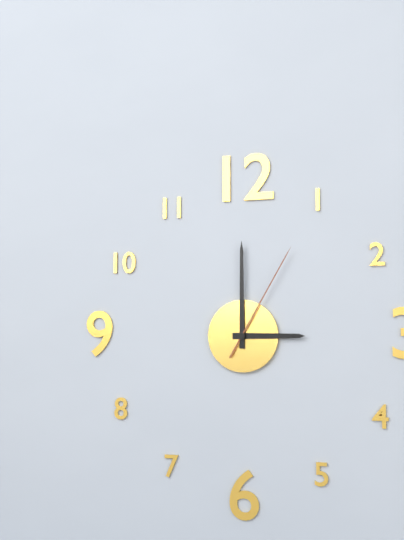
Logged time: {"hour": 3, "minute": 0, "second": 5}
